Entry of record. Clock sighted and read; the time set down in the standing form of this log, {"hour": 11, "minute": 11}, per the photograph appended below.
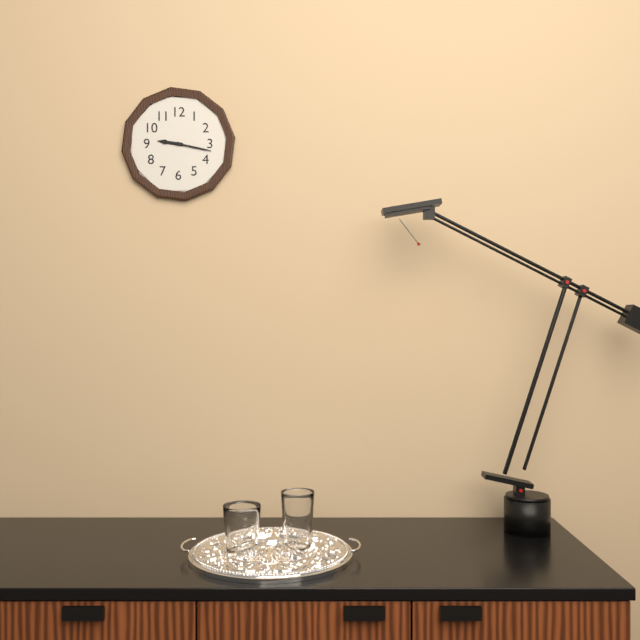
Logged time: {"hour": 9, "minute": 17}
